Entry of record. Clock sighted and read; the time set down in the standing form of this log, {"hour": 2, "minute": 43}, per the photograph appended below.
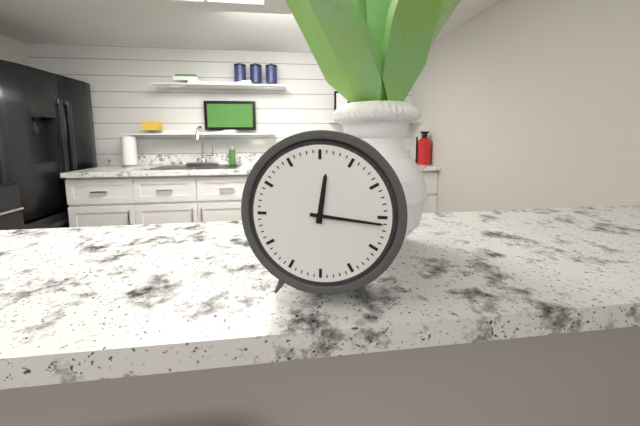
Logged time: {"hour": 12, "minute": 16}
